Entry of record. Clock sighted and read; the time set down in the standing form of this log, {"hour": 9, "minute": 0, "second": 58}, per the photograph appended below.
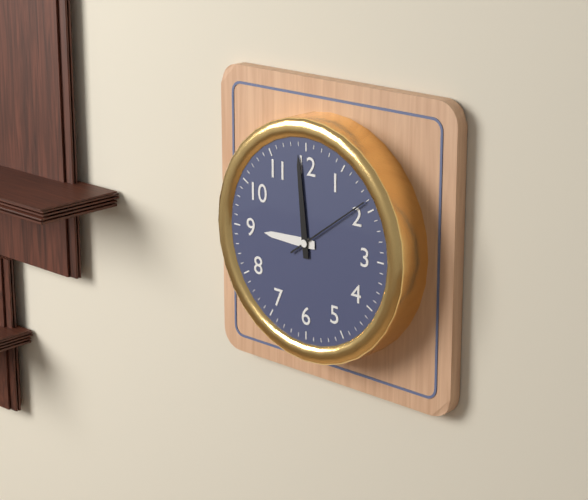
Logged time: {"hour": 8, "minute": 59, "second": 9}
